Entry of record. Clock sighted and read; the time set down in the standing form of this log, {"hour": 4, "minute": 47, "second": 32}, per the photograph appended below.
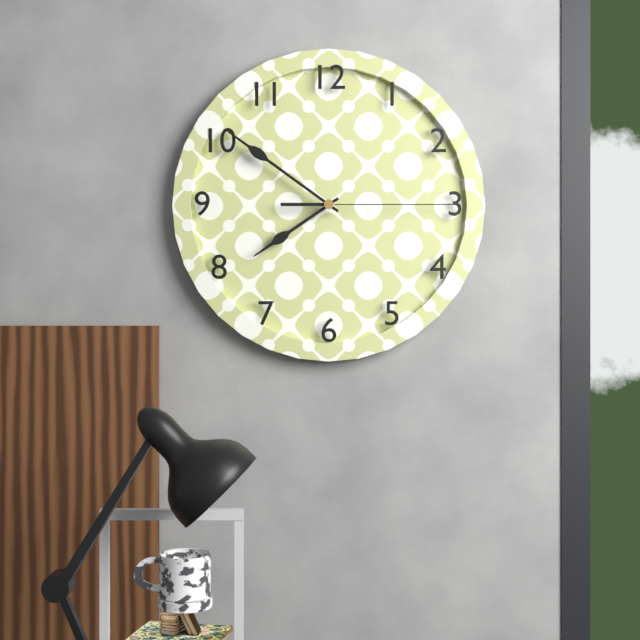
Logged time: {"hour": 7, "minute": 51, "second": 15}
